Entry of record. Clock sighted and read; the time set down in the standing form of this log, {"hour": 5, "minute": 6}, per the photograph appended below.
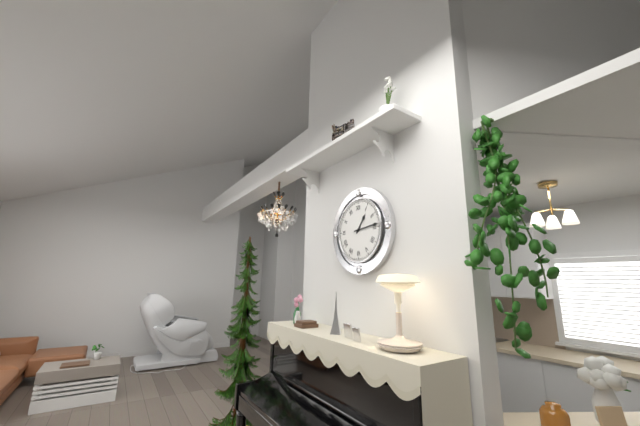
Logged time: {"hour": 1, "minute": 14}
